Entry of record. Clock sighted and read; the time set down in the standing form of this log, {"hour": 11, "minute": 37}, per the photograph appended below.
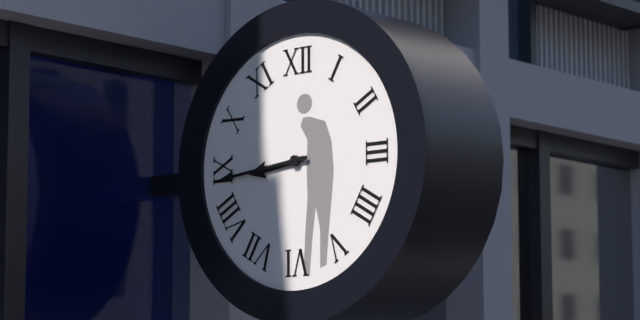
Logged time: {"hour": 8, "minute": 44}
